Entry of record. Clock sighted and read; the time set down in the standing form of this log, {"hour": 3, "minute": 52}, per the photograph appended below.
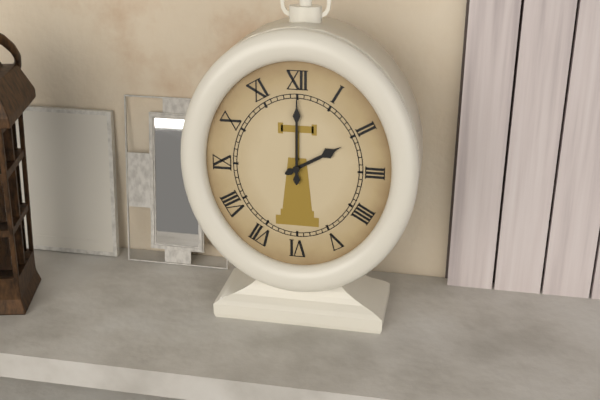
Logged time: {"hour": 2, "minute": 0}
